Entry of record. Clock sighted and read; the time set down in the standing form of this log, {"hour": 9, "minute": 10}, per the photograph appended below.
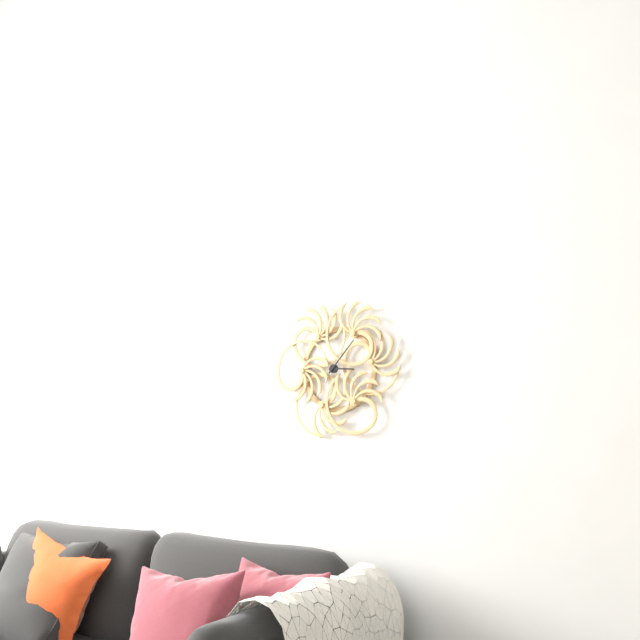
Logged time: {"hour": 3, "minute": 7}
